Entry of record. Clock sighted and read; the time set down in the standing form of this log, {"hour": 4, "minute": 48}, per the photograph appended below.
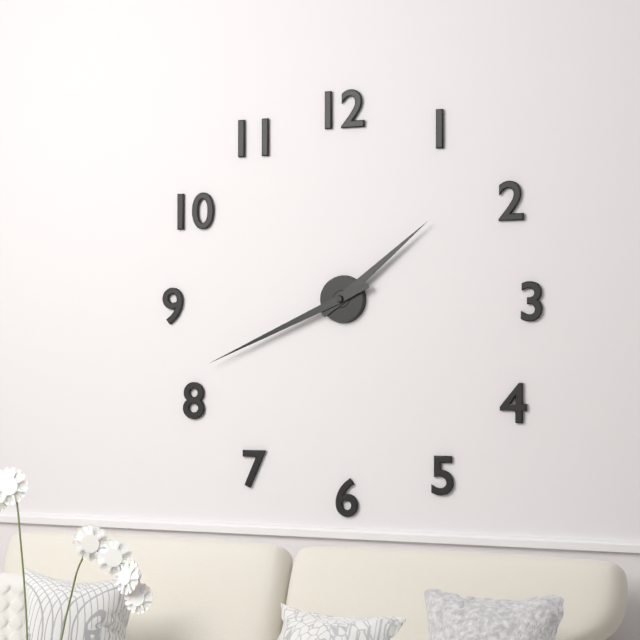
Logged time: {"hour": 1, "minute": 41}
